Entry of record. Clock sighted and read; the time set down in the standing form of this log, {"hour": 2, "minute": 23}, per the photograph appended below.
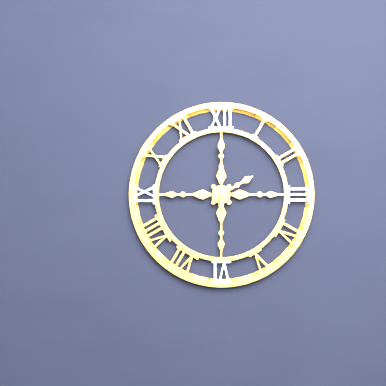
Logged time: {"hour": 2, "minute": 0}
